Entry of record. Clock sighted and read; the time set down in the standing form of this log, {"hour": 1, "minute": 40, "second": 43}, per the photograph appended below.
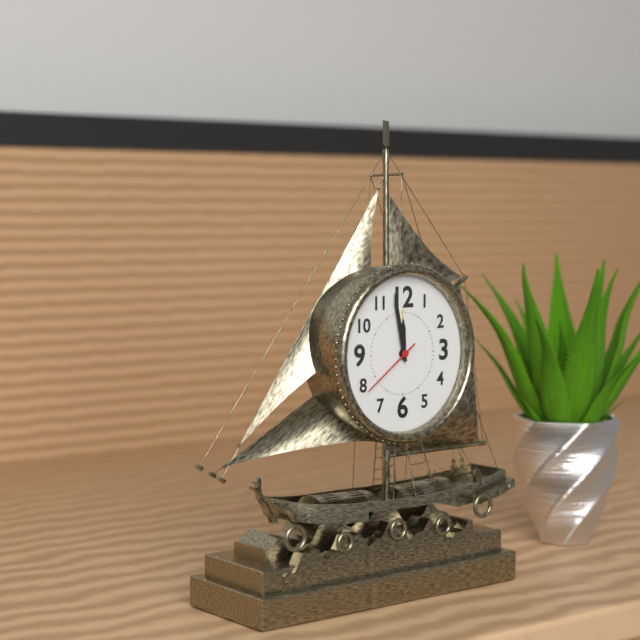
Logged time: {"hour": 11, "minute": 58, "second": 39}
